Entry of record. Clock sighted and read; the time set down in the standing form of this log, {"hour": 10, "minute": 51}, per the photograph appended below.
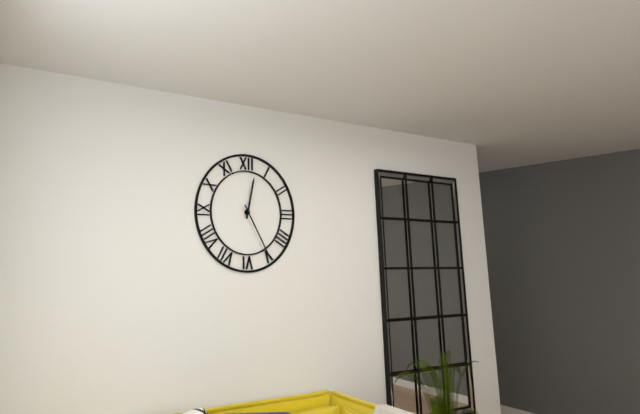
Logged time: {"hour": 12, "minute": 25}
